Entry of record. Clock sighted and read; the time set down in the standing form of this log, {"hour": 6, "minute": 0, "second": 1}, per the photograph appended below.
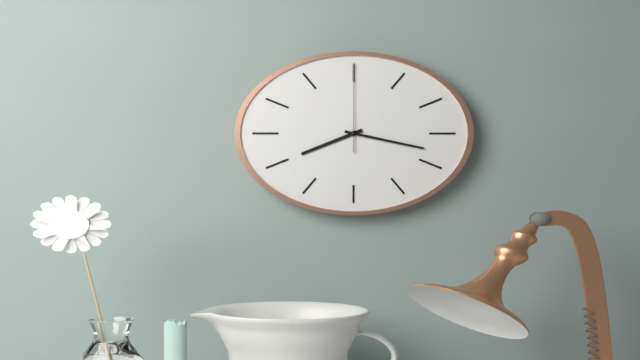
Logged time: {"hour": 8, "minute": 17, "second": 0}
